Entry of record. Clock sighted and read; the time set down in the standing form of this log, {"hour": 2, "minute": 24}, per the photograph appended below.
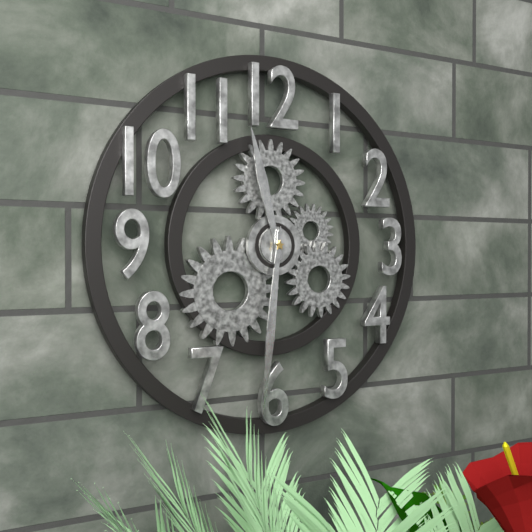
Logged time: {"hour": 11, "minute": 31}
